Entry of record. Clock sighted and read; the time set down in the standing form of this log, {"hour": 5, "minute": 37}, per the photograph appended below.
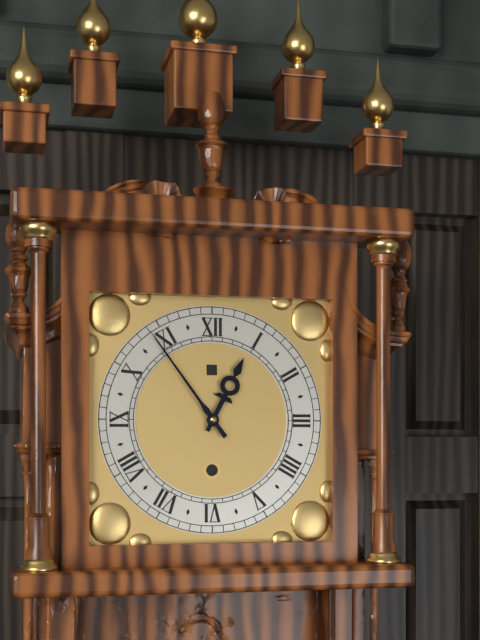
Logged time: {"hour": 12, "minute": 54}
